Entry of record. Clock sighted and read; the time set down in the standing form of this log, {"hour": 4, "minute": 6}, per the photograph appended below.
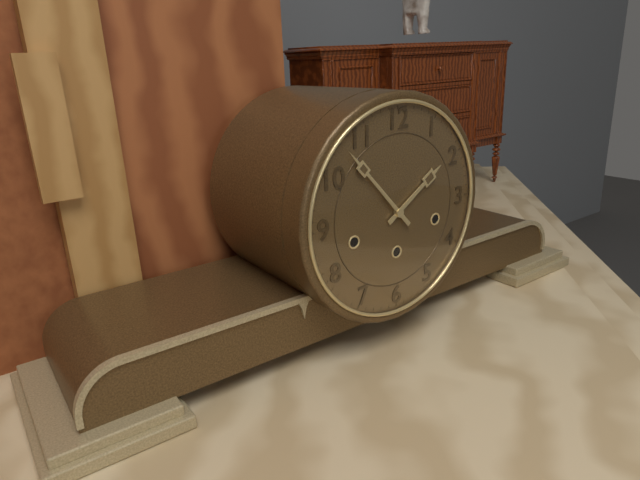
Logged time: {"hour": 1, "minute": 53}
